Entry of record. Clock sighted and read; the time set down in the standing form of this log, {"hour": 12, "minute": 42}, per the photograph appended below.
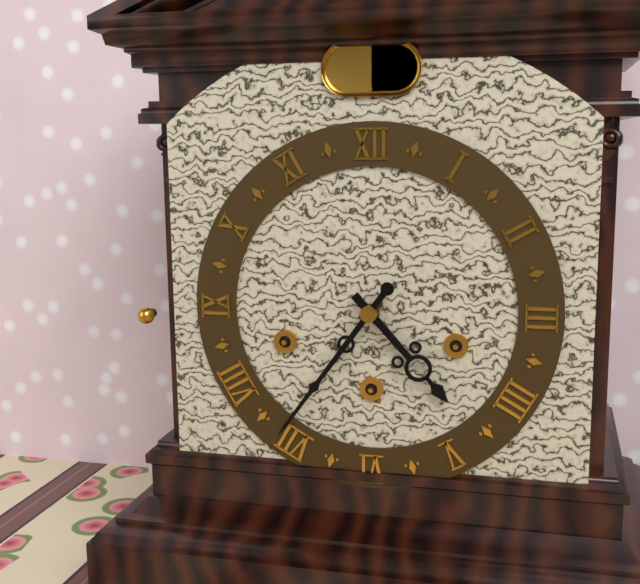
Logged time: {"hour": 4, "minute": 36}
